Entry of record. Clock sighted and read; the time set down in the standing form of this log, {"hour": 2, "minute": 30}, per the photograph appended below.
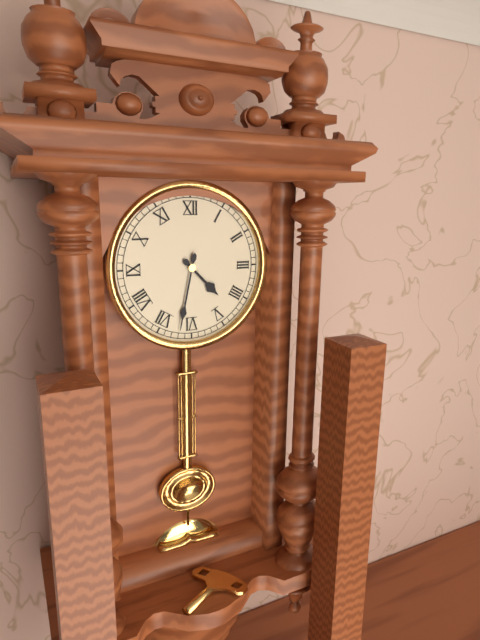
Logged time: {"hour": 4, "minute": 32}
